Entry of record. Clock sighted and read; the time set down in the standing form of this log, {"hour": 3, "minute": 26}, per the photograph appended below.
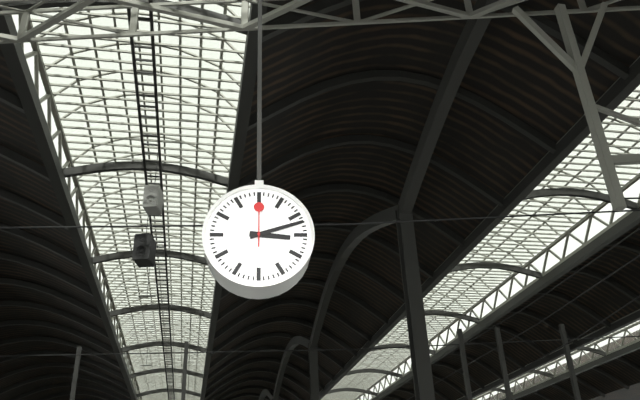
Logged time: {"hour": 3, "minute": 12}
